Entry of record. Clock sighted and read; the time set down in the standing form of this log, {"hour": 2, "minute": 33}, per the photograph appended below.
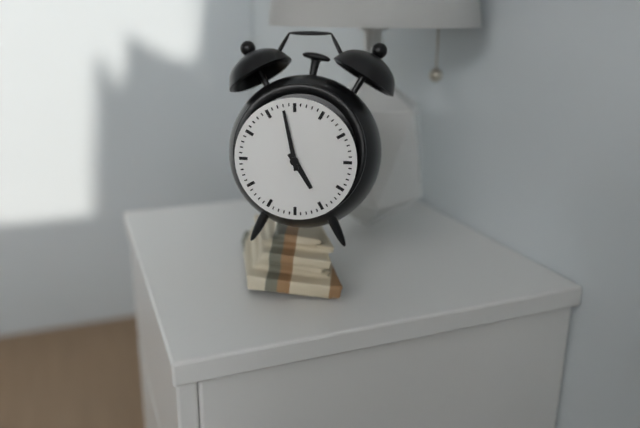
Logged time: {"hour": 4, "minute": 58}
